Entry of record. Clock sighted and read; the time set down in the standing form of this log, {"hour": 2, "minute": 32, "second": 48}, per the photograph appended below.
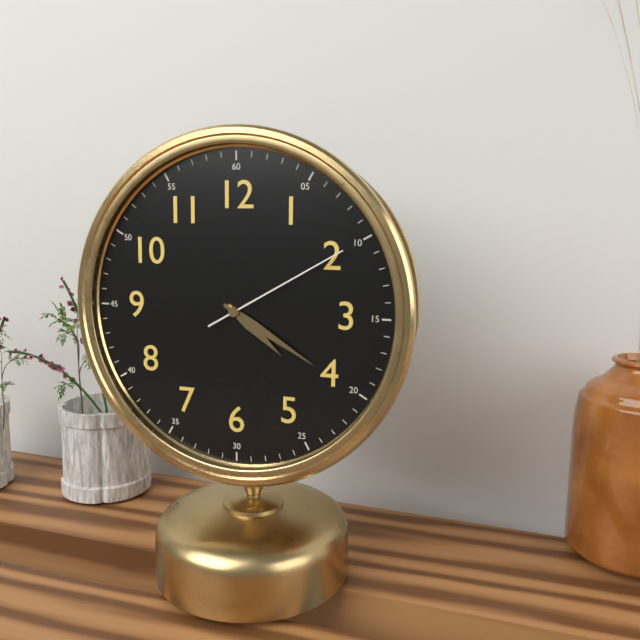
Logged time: {"hour": 4, "minute": 20, "second": 10}
